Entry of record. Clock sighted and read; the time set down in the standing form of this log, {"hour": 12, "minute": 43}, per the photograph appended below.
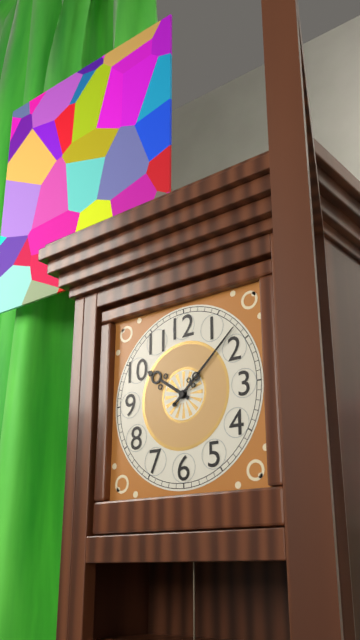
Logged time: {"hour": 10, "minute": 8}
